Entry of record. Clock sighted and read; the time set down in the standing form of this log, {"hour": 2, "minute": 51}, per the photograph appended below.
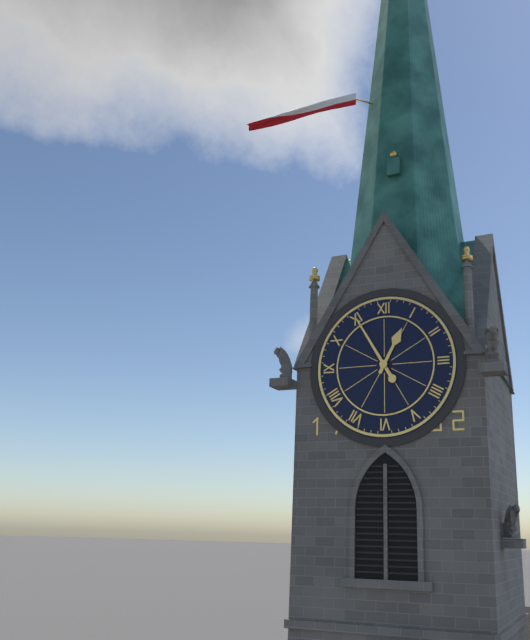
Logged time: {"hour": 12, "minute": 55}
